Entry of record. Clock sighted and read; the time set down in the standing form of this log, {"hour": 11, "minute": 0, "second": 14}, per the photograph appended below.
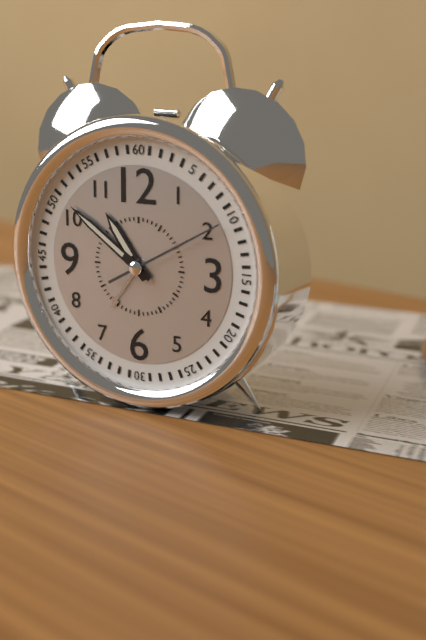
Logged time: {"hour": 10, "minute": 51, "second": 10}
